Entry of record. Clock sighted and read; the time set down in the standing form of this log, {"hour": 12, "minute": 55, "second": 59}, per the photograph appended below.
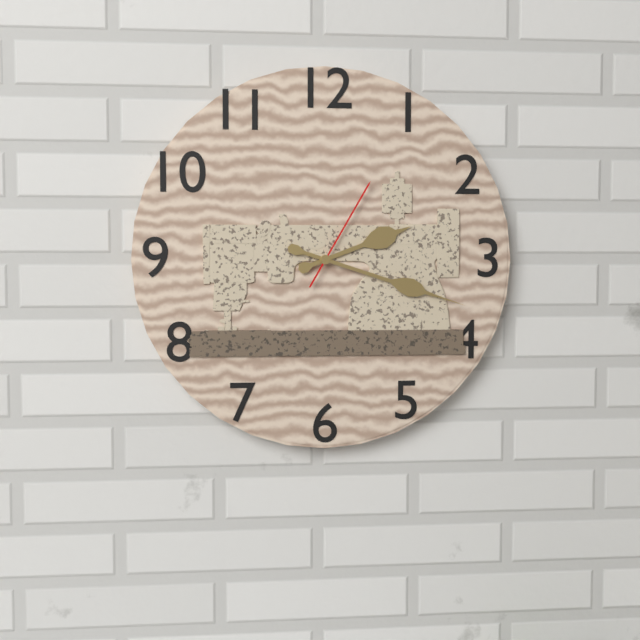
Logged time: {"hour": 2, "minute": 18, "second": 5}
